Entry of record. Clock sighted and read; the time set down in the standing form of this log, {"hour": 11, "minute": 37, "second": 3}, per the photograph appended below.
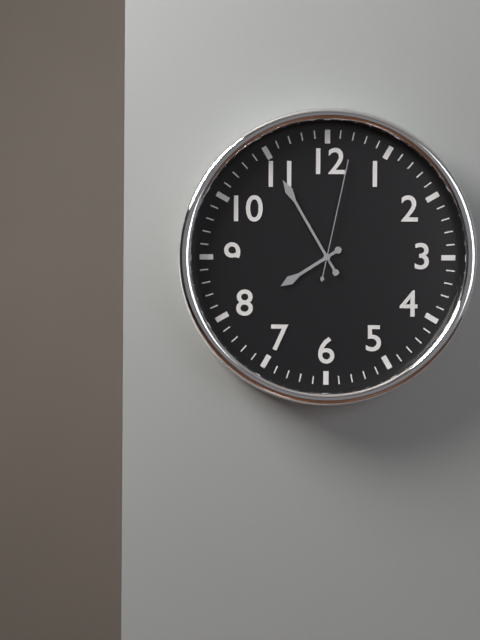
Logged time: {"hour": 7, "minute": 55, "second": 2}
